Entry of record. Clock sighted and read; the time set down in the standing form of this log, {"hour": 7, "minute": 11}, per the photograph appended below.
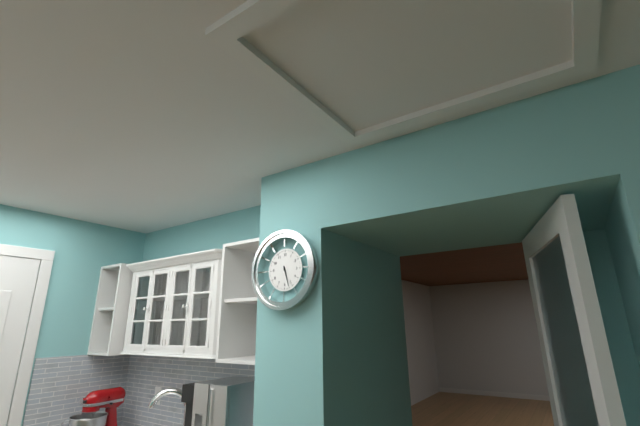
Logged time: {"hour": 5, "minute": 27}
